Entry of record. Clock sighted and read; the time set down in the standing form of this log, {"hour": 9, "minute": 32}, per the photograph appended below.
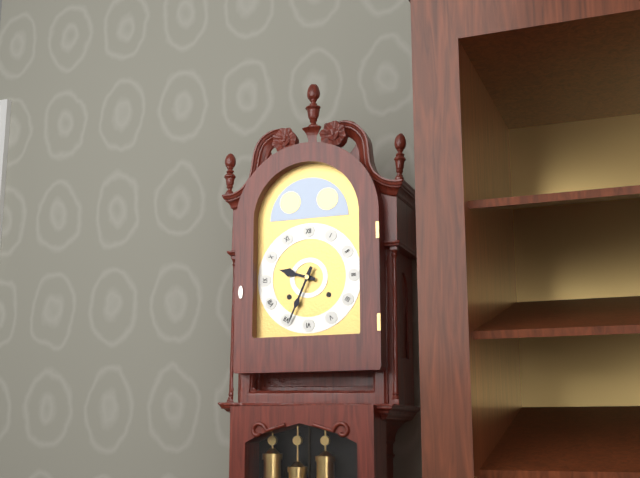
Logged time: {"hour": 9, "minute": 34}
